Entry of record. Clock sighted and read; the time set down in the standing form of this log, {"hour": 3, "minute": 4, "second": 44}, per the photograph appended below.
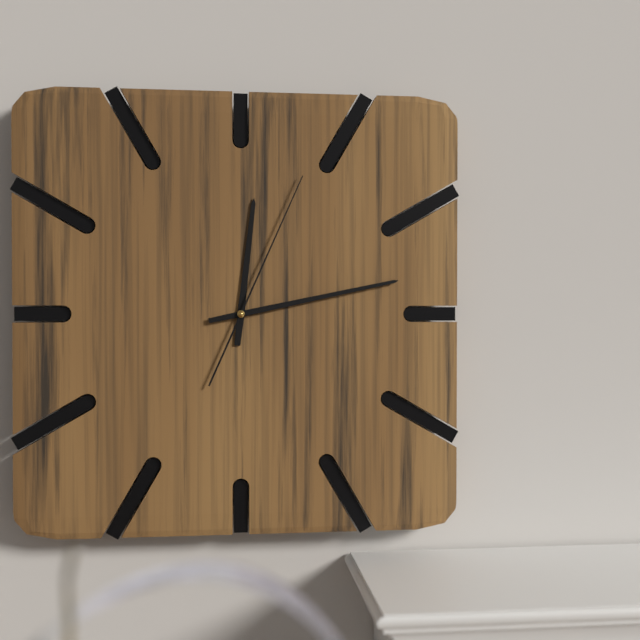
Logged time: {"hour": 12, "minute": 13, "second": 4}
